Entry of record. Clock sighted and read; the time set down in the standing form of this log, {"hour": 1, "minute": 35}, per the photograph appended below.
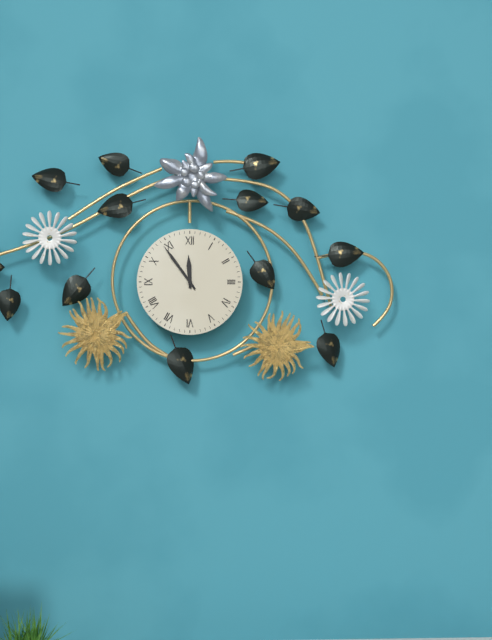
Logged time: {"hour": 11, "minute": 54}
